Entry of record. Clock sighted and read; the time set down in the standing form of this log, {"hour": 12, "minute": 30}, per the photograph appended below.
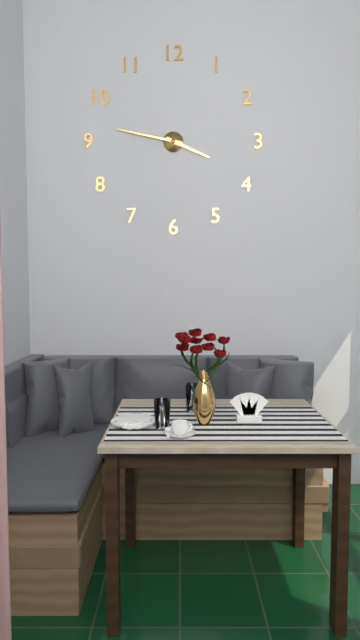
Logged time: {"hour": 3, "minute": 47}
